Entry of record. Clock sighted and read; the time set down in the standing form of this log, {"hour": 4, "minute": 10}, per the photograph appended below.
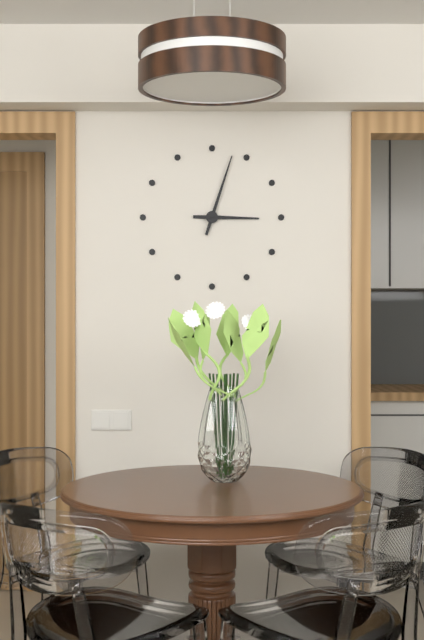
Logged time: {"hour": 3, "minute": 3}
